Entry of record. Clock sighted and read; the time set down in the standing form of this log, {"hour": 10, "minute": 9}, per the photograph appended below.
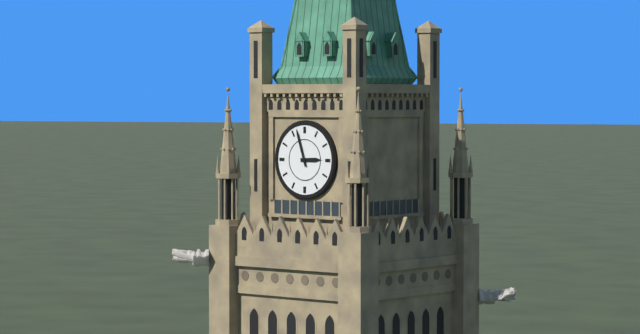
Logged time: {"hour": 2, "minute": 57}
